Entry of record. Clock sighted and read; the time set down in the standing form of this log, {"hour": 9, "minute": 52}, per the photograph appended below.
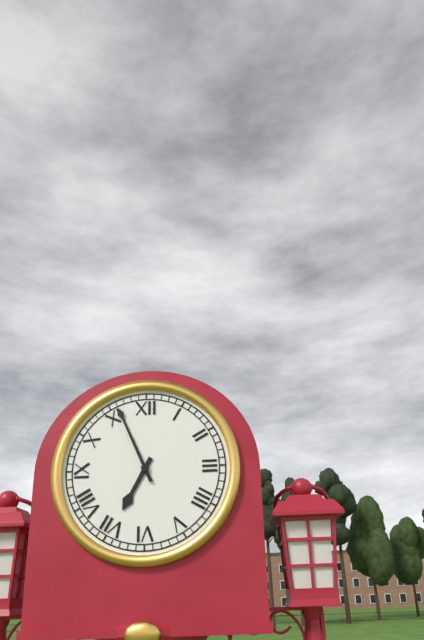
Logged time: {"hour": 6, "minute": 56}
